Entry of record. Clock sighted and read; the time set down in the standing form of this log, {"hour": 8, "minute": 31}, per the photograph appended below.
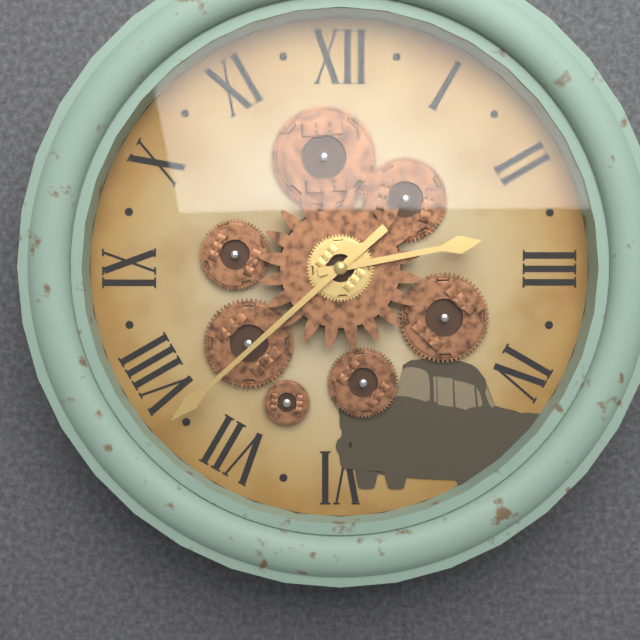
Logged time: {"hour": 2, "minute": 38}
